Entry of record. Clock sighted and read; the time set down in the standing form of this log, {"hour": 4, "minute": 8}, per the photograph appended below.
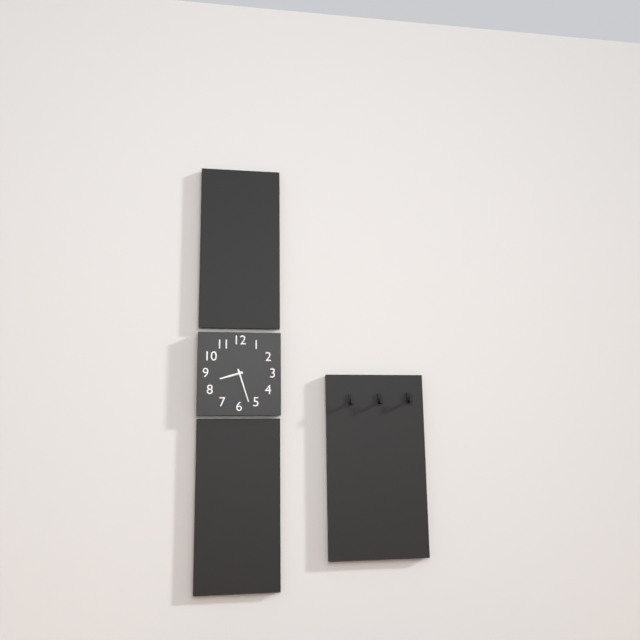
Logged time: {"hour": 8, "minute": 27}
